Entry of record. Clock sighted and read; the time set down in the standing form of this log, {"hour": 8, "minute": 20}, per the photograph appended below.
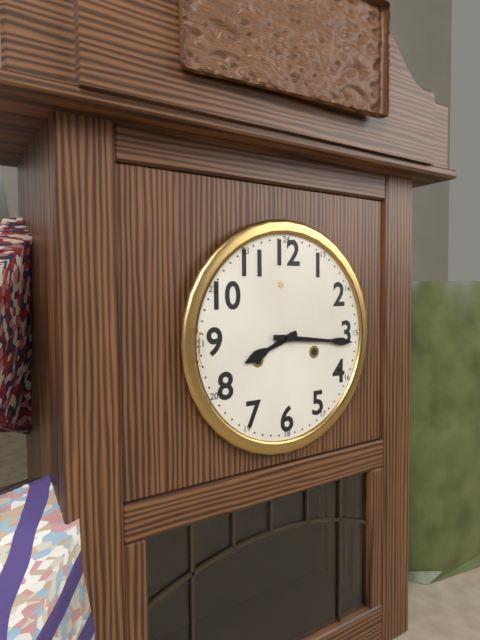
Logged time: {"hour": 8, "minute": 16}
